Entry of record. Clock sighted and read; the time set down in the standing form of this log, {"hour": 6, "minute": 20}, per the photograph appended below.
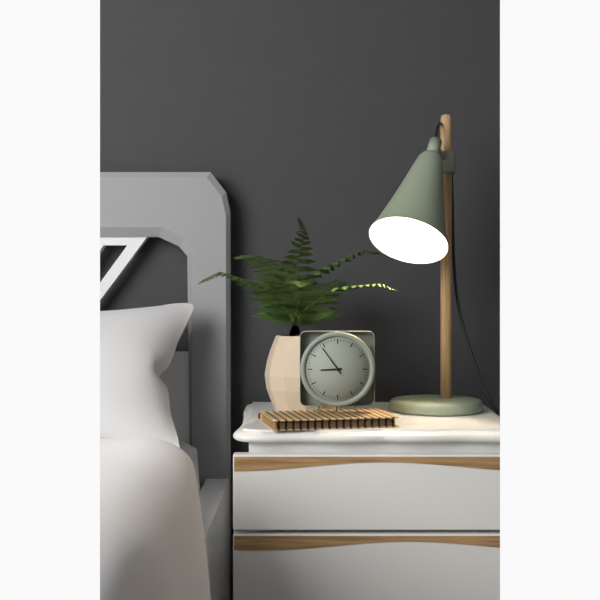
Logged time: {"hour": 8, "minute": 54}
